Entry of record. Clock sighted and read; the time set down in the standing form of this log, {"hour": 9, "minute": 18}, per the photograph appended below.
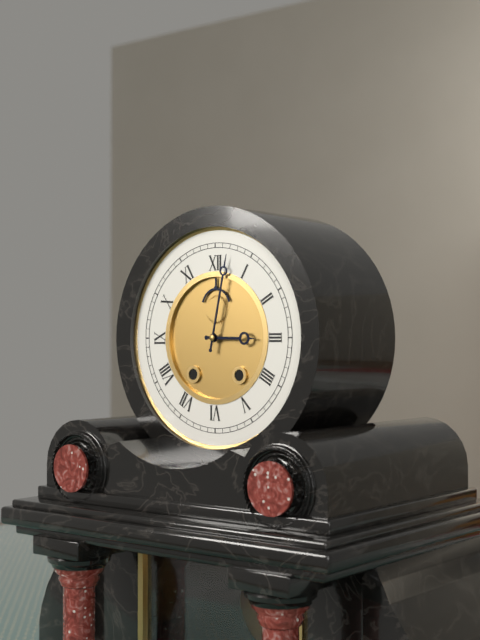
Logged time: {"hour": 3, "minute": 2}
